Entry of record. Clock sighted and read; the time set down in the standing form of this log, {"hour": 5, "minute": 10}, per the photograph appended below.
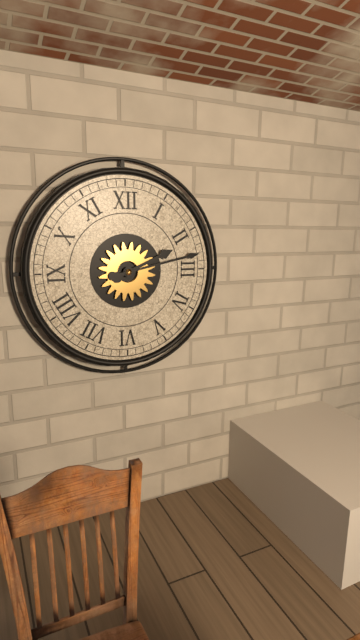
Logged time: {"hour": 2, "minute": 13}
